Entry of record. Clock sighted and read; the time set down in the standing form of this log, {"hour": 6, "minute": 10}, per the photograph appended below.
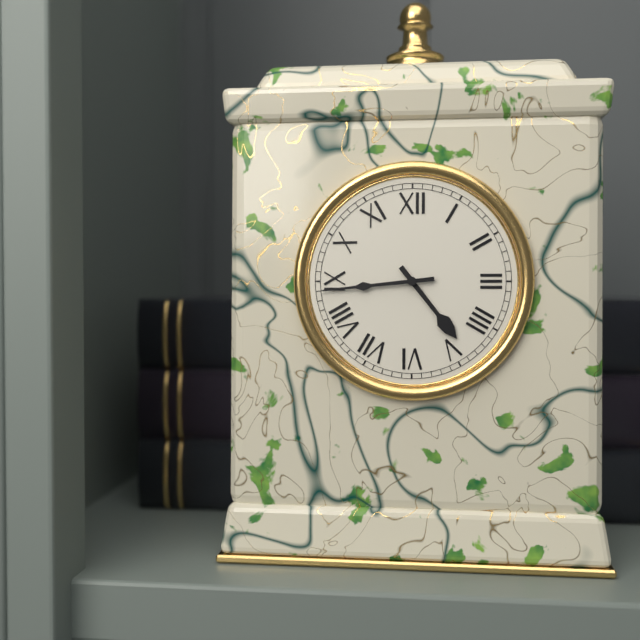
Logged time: {"hour": 4, "minute": 44}
